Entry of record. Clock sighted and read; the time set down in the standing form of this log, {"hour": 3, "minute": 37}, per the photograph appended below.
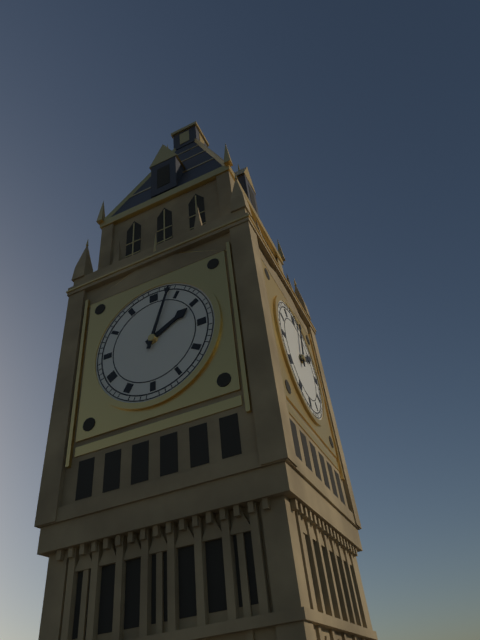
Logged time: {"hour": 2, "minute": 3}
